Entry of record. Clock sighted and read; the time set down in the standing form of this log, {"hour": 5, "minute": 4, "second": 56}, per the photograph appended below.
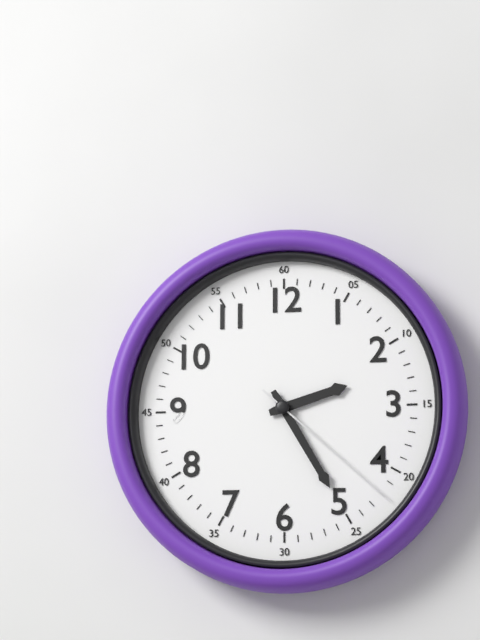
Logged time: {"hour": 2, "minute": 25, "second": 22}
